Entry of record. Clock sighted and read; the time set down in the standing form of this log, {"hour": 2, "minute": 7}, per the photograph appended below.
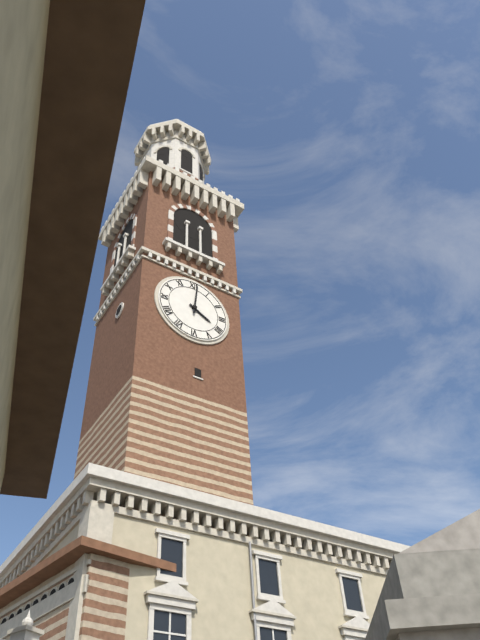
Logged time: {"hour": 4, "minute": 1}
